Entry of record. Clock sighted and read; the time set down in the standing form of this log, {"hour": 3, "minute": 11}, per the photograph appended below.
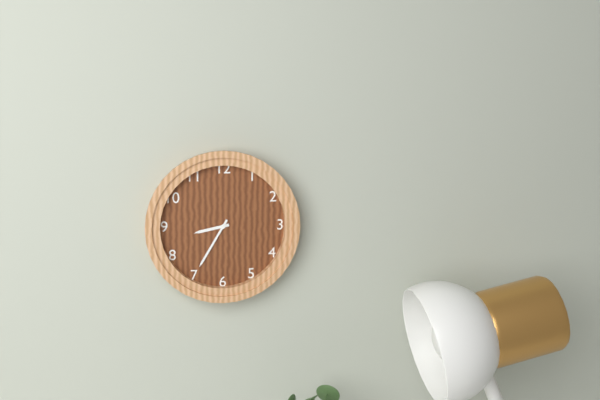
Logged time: {"hour": 8, "minute": 35}
